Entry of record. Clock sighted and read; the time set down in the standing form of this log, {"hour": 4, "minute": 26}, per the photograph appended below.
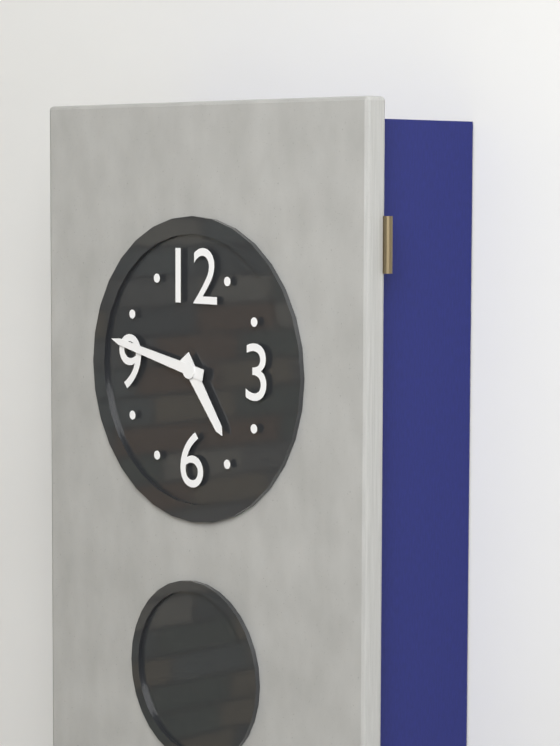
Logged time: {"hour": 4, "minute": 47}
